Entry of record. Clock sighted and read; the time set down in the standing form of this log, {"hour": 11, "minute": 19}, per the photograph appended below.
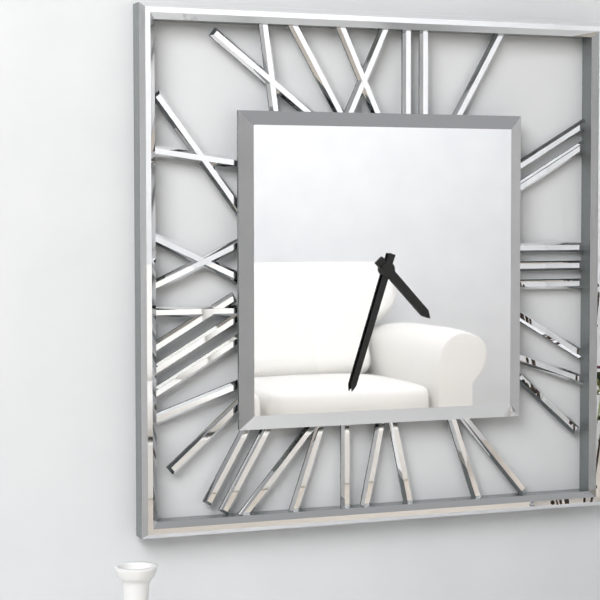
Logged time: {"hour": 4, "minute": 33}
